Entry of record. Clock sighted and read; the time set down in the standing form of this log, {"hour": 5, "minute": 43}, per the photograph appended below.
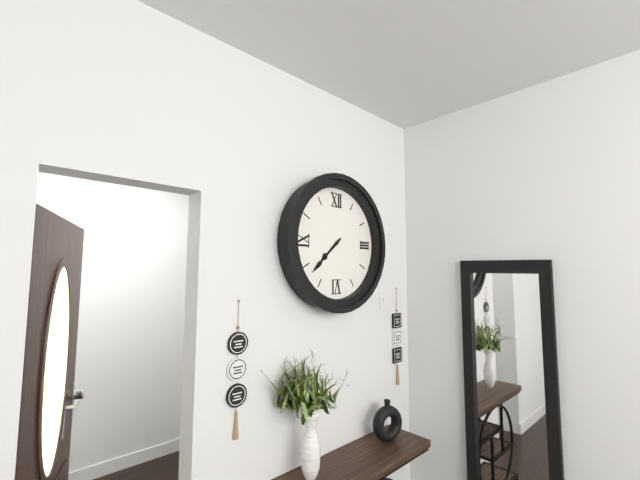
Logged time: {"hour": 7, "minute": 38}
